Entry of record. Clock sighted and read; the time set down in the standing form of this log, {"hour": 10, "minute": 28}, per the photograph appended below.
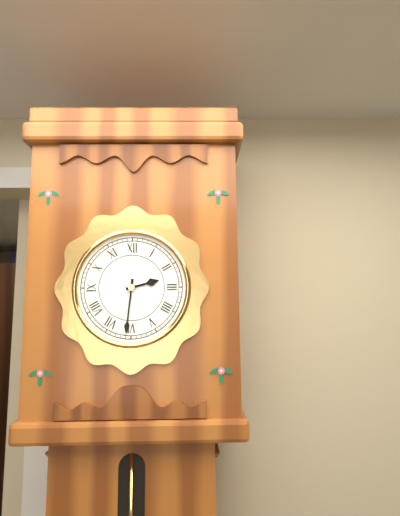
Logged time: {"hour": 2, "minute": 31}
